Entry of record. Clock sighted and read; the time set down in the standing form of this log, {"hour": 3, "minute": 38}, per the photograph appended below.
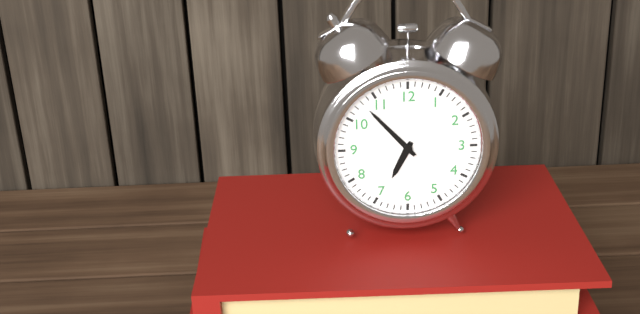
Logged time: {"hour": 6, "minute": 53}
